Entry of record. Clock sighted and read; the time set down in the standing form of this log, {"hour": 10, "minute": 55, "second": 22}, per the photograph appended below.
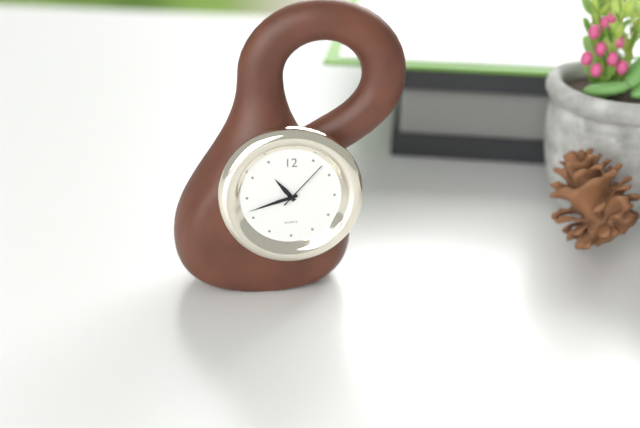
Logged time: {"hour": 10, "minute": 42, "second": 7}
